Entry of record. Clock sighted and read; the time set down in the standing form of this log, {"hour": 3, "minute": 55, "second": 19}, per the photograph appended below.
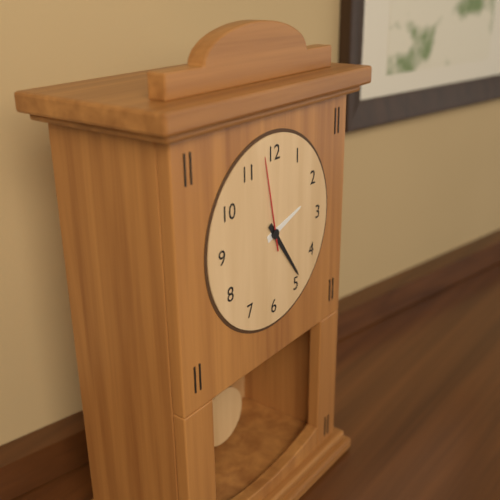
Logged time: {"hour": 2, "minute": 24, "second": 58}
